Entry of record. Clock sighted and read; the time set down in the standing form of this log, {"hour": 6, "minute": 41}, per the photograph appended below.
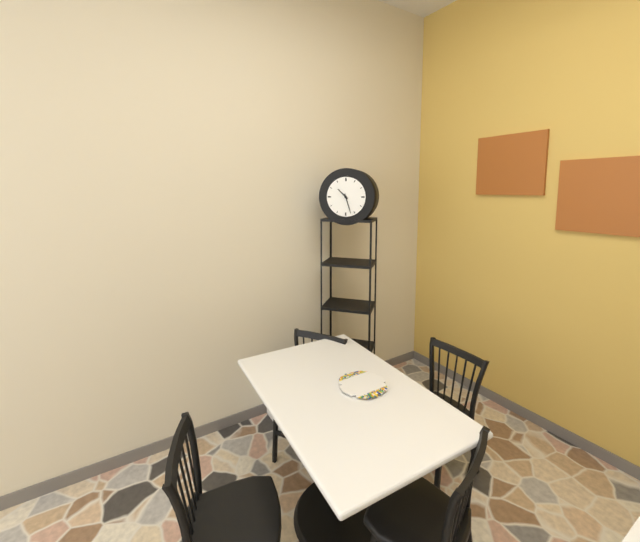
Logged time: {"hour": 10, "minute": 27}
